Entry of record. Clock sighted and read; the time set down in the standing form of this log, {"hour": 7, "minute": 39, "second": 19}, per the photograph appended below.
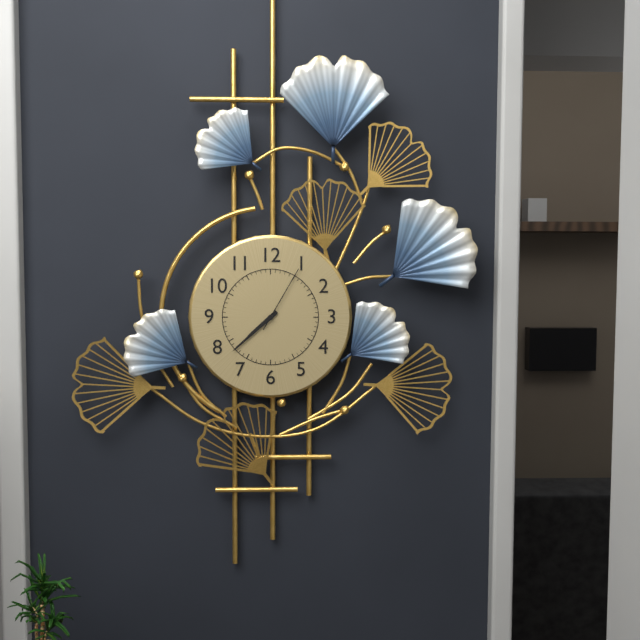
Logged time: {"hour": 7, "minute": 38, "second": 5}
